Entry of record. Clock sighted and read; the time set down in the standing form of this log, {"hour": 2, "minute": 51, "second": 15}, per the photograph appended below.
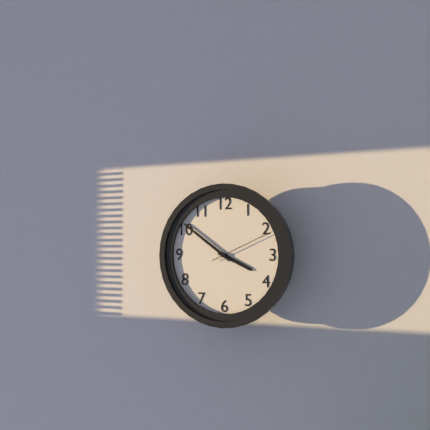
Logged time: {"hour": 3, "minute": 51, "second": 11}
